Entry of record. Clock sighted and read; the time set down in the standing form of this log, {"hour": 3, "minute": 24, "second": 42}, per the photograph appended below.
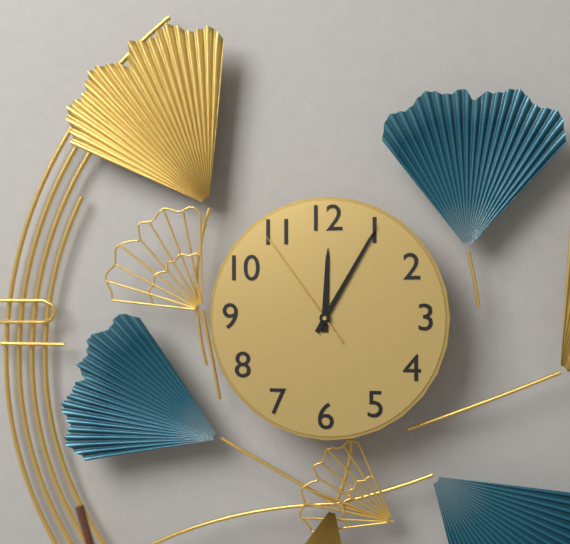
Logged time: {"hour": 12, "minute": 5, "second": 54}
